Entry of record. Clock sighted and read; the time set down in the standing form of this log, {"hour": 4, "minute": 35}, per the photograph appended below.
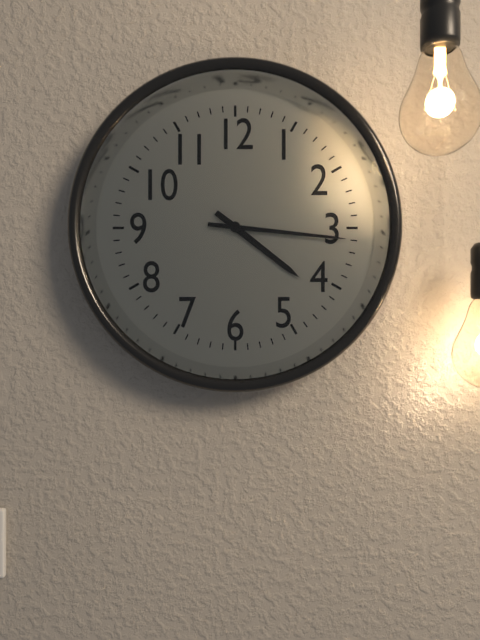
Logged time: {"hour": 4, "minute": 16}
